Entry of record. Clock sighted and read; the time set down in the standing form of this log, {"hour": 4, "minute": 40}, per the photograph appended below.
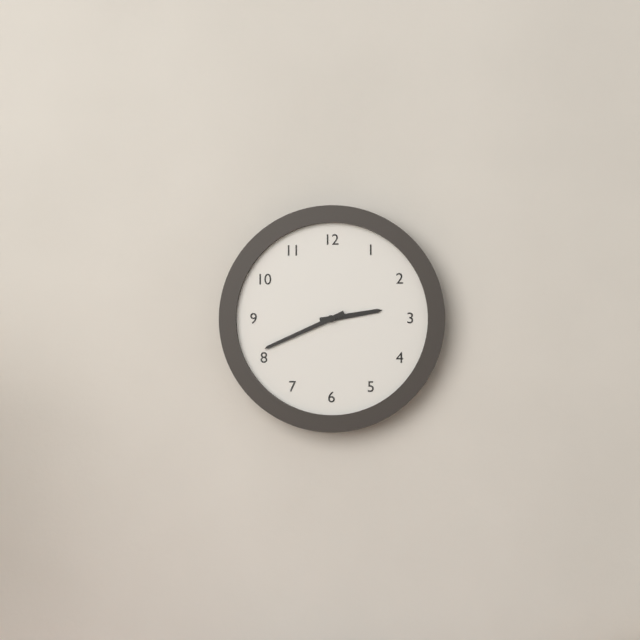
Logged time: {"hour": 2, "minute": 41}
